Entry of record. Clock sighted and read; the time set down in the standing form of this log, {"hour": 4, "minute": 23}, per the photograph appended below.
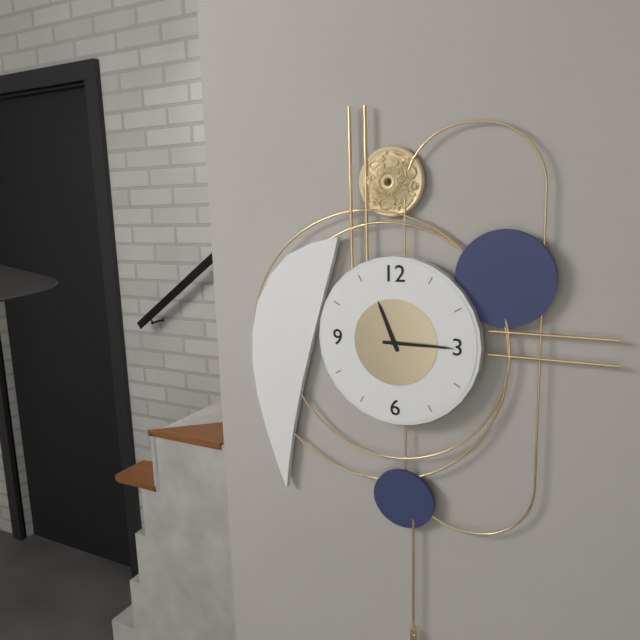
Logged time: {"hour": 11, "minute": 15}
